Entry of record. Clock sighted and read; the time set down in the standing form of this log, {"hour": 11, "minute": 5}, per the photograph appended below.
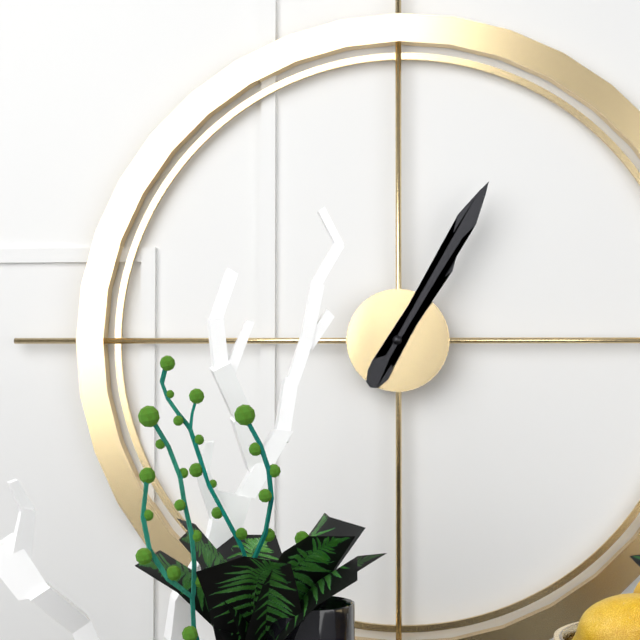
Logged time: {"hour": 1, "minute": 5}
